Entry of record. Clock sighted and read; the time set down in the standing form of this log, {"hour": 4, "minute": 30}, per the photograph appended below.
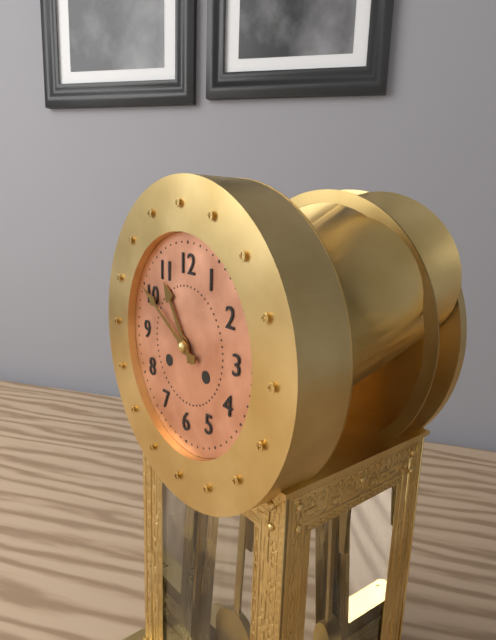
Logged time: {"hour": 10, "minute": 50}
